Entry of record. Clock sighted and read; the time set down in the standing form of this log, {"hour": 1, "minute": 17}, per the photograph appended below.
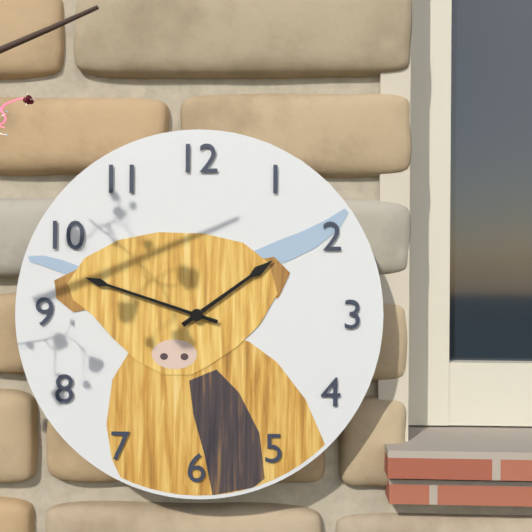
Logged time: {"hour": 1, "minute": 48}
